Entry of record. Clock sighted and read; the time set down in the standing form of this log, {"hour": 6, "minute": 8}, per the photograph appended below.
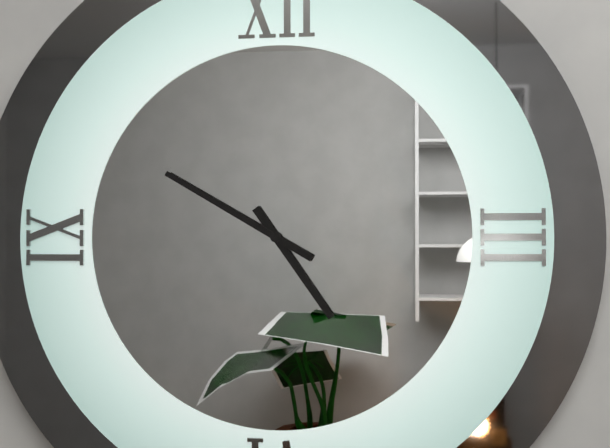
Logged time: {"hour": 4, "minute": 50}
